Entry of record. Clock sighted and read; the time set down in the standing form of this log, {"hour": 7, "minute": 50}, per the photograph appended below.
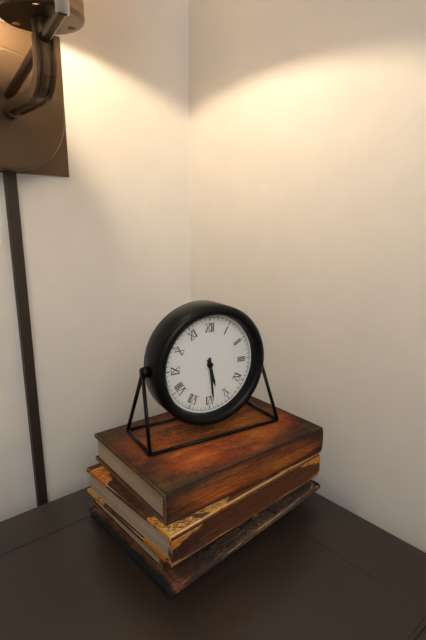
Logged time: {"hour": 5, "minute": 29}
